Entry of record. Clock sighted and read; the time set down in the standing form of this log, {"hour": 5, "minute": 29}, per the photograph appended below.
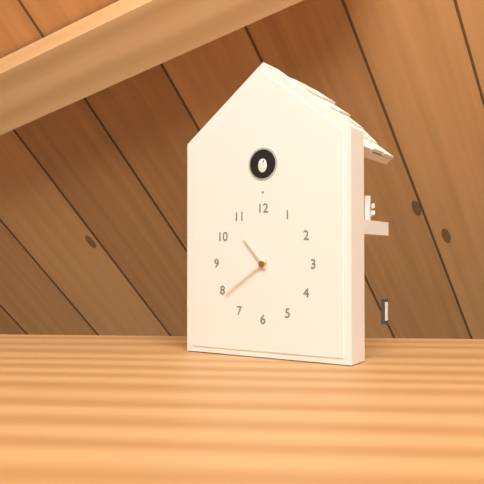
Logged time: {"hour": 10, "minute": 39}
